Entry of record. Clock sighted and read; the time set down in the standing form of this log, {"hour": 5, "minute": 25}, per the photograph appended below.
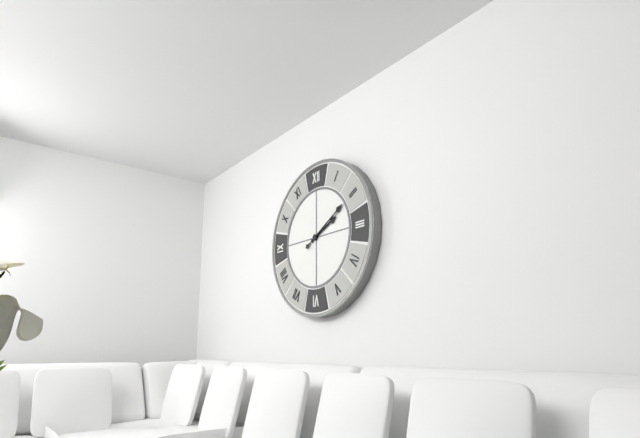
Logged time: {"hour": 2, "minute": 10}
